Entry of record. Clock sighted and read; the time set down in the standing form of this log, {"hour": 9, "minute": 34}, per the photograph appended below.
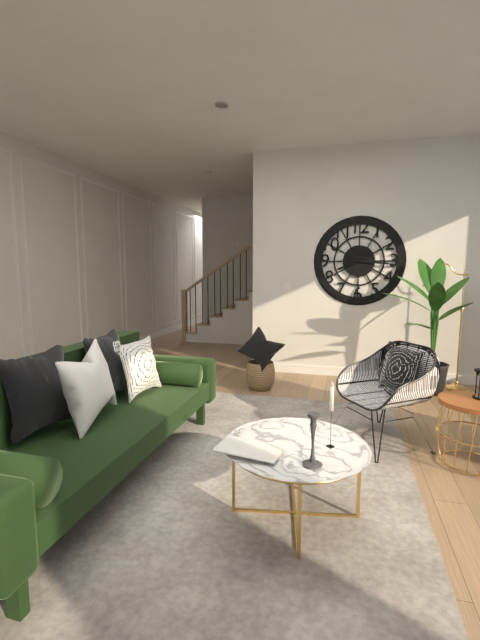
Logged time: {"hour": 8, "minute": 16}
